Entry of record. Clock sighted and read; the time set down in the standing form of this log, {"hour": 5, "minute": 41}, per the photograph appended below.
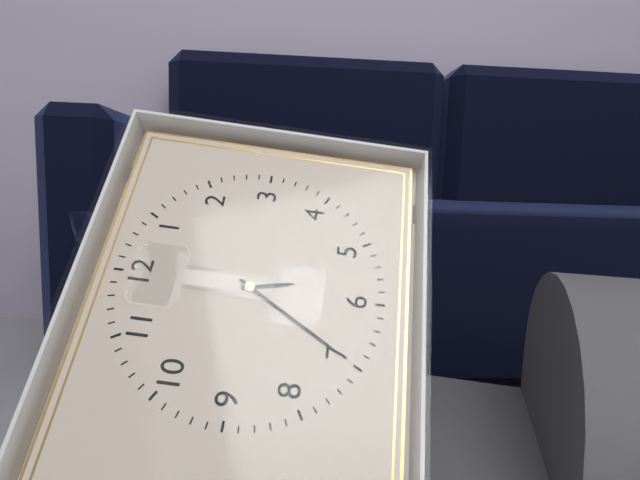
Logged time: {"hour": 5, "minute": 35}
